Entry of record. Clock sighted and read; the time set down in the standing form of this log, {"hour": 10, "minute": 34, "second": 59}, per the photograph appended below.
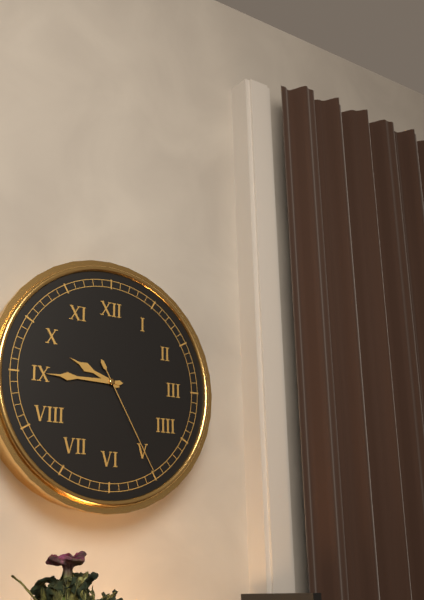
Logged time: {"hour": 9, "minute": 45, "second": 25}
